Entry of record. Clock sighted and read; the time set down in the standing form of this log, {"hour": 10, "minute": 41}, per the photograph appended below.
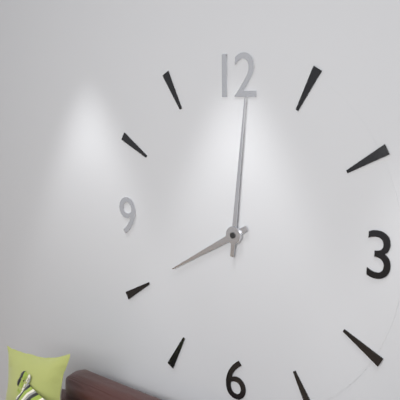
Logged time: {"hour": 8, "minute": 1}
